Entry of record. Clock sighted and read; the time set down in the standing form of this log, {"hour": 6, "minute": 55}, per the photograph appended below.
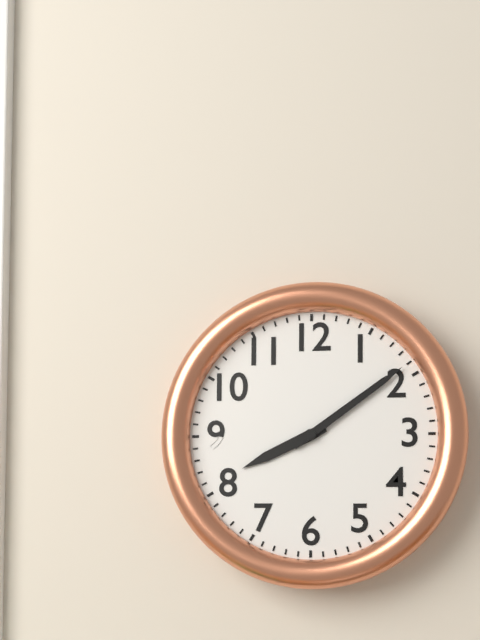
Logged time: {"hour": 8, "minute": 9}
